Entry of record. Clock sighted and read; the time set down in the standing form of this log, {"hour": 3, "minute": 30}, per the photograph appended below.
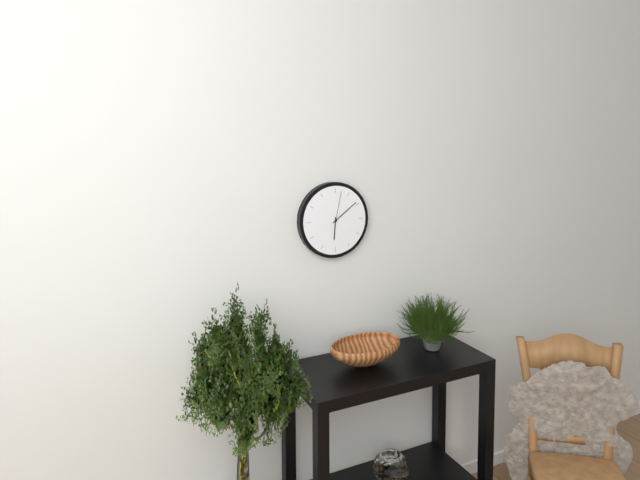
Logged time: {"hour": 6, "minute": 9}
